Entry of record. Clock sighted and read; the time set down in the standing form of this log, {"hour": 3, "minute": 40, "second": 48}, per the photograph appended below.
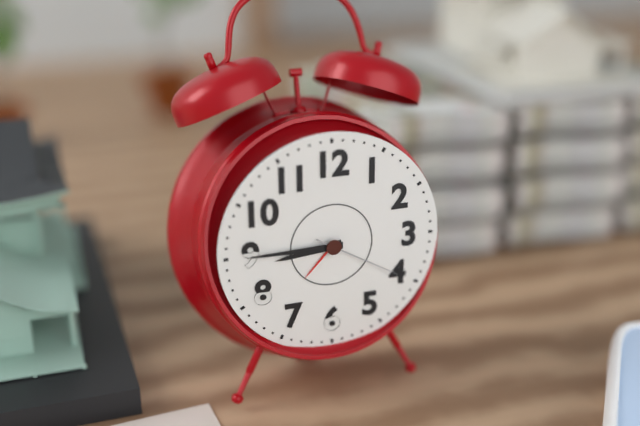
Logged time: {"hour": 8, "minute": 45, "second": 20}
